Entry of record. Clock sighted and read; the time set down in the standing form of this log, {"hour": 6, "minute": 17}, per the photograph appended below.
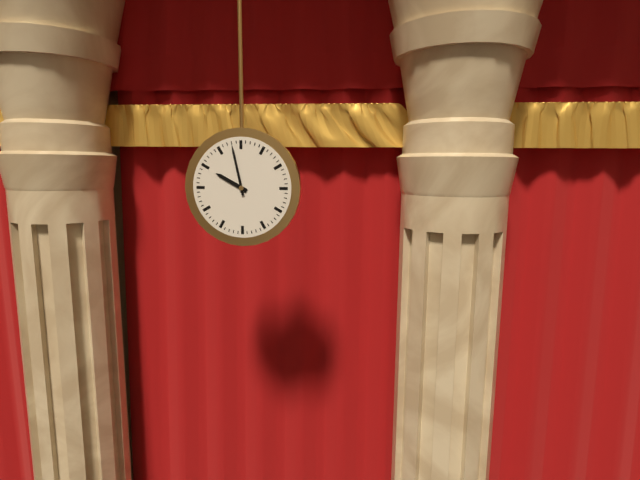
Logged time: {"hour": 9, "minute": 58}
